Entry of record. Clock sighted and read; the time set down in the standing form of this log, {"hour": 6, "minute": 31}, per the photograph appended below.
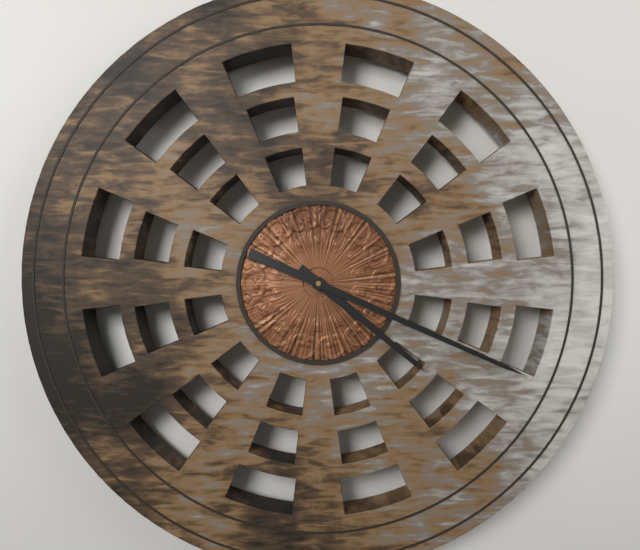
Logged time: {"hour": 4, "minute": 19}
